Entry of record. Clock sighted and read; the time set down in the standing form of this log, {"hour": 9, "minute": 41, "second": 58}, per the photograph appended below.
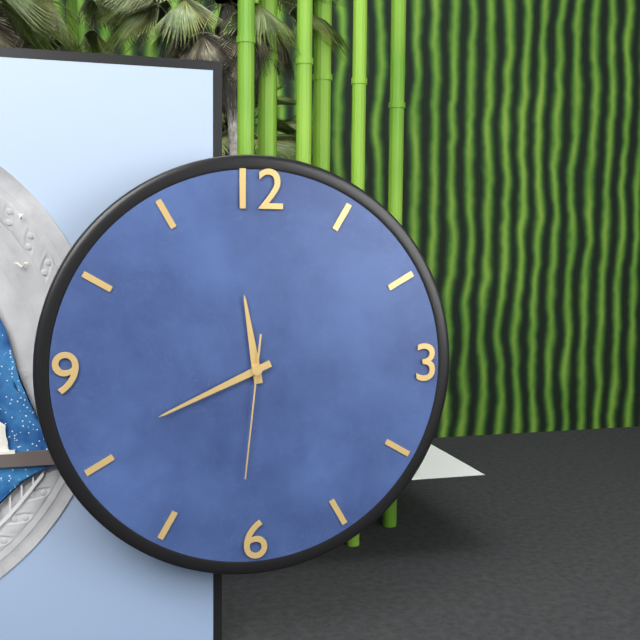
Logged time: {"hour": 11, "minute": 41, "second": 31}
